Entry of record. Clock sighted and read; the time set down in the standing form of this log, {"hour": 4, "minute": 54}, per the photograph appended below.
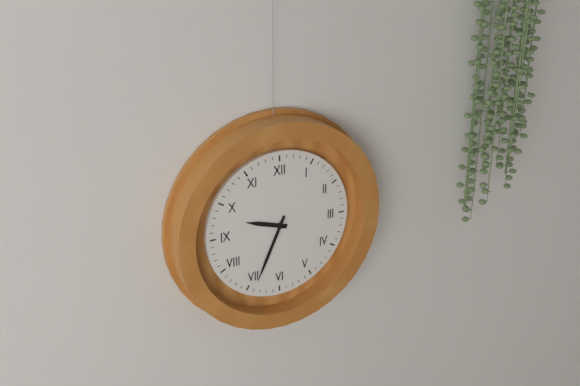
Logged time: {"hour": 9, "minute": 34}
